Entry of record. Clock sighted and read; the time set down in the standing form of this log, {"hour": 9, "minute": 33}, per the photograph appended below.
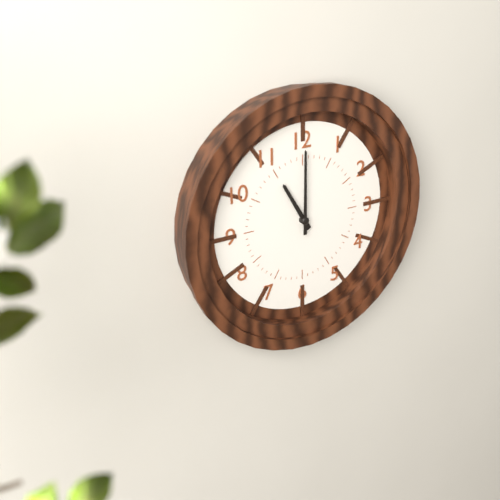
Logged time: {"hour": 11, "minute": 0}
